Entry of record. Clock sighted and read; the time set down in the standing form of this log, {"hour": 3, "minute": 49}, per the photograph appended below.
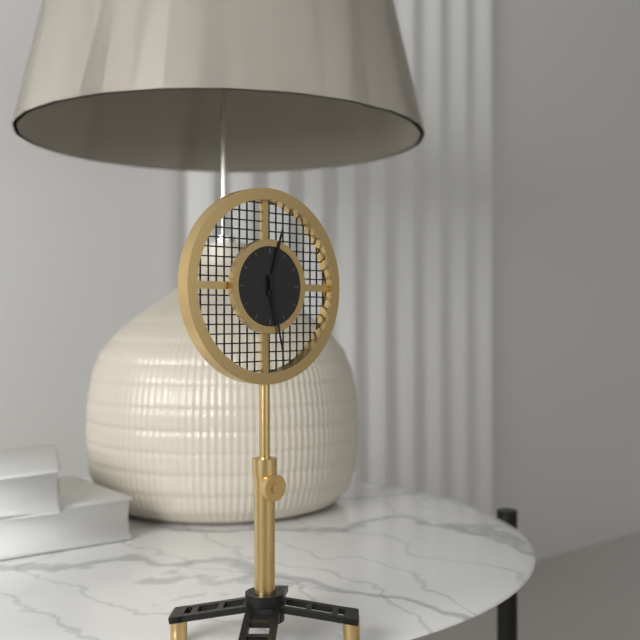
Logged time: {"hour": 12, "minute": 28}
